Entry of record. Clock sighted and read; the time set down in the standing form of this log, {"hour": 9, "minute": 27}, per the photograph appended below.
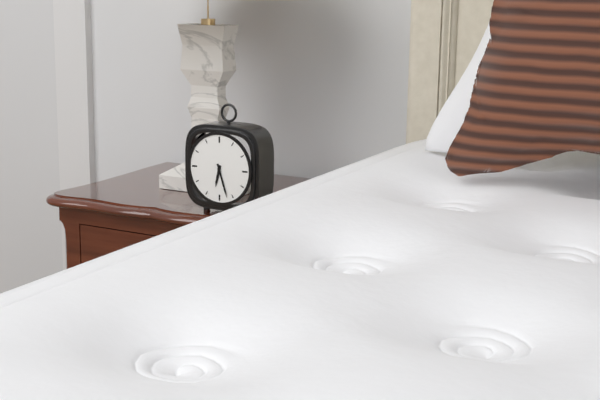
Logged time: {"hour": 6, "minute": 27}
